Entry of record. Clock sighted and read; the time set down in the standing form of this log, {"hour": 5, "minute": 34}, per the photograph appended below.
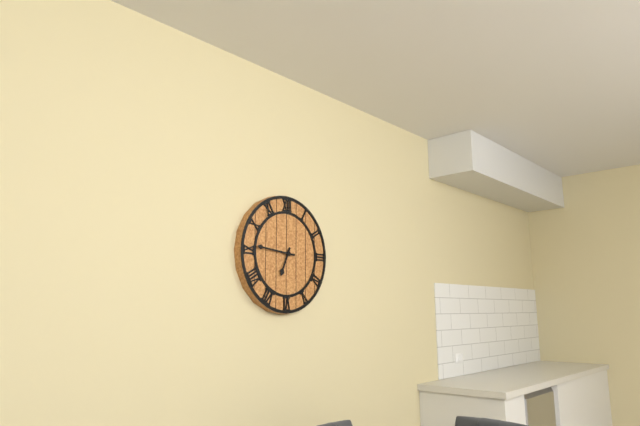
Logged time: {"hour": 6, "minute": 46}
